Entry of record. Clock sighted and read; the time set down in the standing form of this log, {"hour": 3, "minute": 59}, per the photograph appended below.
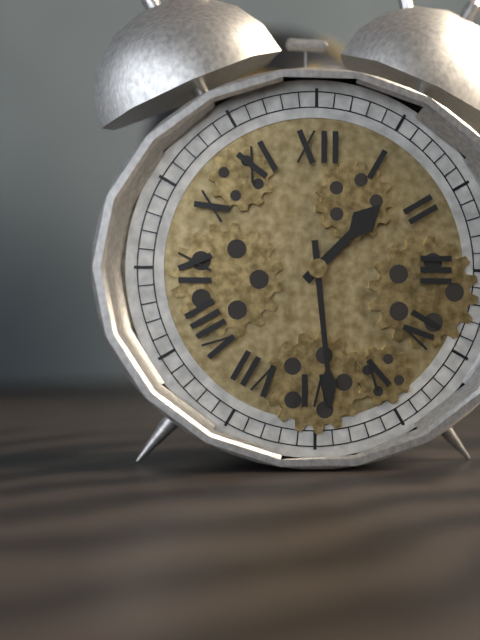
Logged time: {"hour": 1, "minute": 29}
